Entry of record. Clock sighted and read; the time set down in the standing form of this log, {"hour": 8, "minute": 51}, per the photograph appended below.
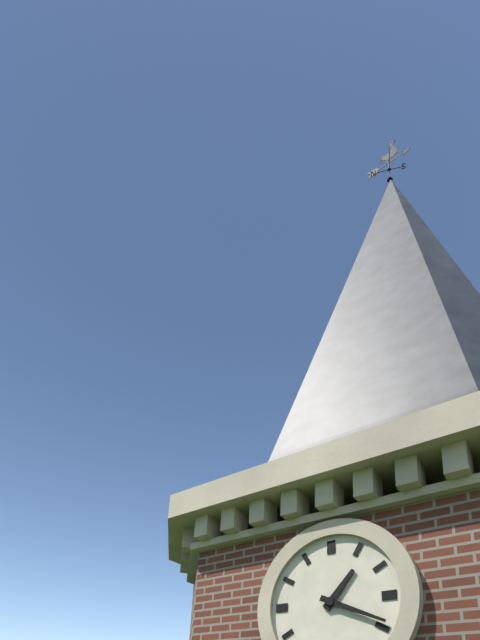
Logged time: {"hour": 1, "minute": 19}
